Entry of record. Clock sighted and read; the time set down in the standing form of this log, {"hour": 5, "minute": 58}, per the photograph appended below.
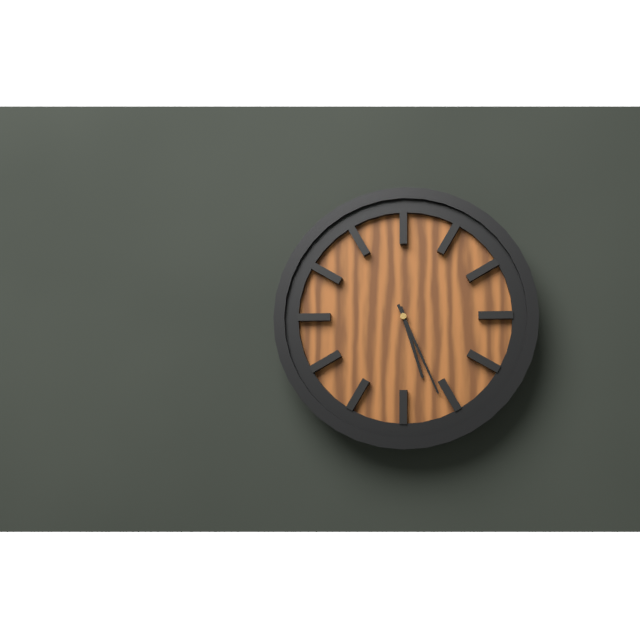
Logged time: {"hour": 5, "minute": 26}
